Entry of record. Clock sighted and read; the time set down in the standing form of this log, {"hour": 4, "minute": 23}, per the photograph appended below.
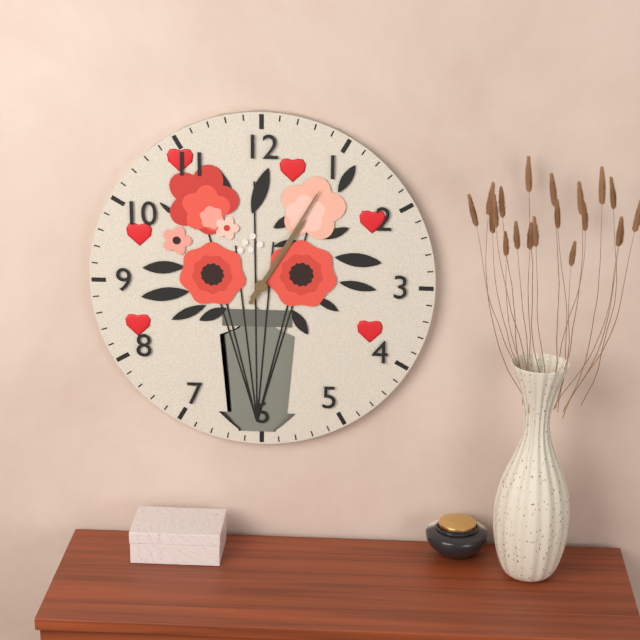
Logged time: {"hour": 1, "minute": 5}
